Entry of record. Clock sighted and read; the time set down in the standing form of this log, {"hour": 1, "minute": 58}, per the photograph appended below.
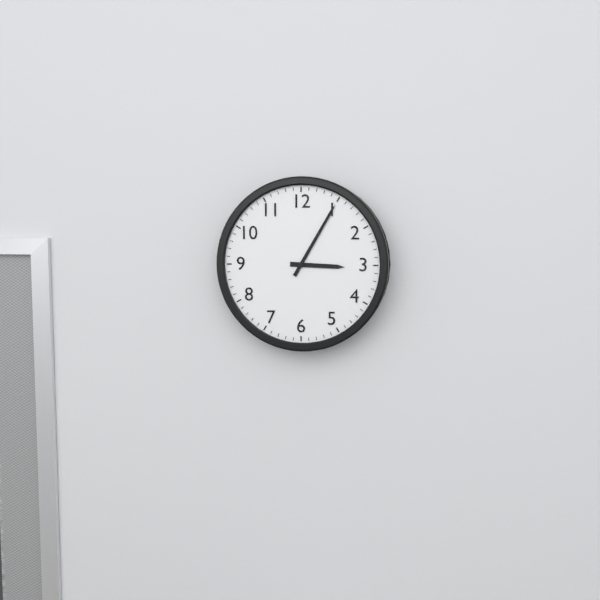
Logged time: {"hour": 3, "minute": 5}
